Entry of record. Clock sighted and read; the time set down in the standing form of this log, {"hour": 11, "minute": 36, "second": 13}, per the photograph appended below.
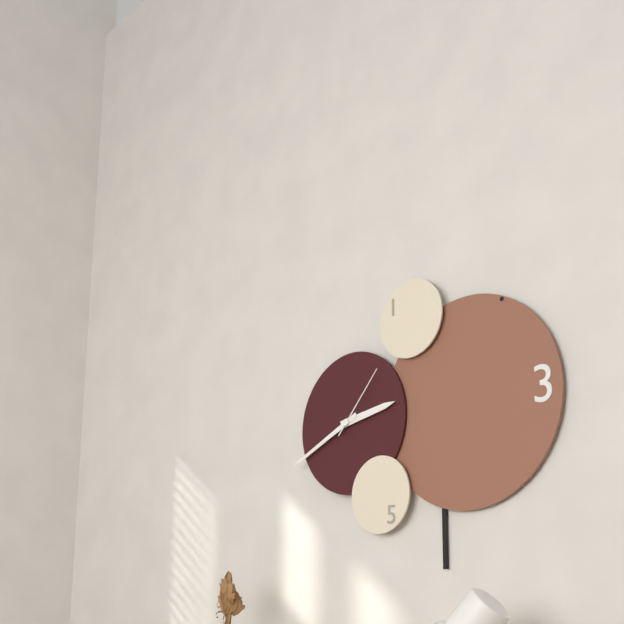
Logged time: {"hour": 2, "minute": 41, "second": 7}
